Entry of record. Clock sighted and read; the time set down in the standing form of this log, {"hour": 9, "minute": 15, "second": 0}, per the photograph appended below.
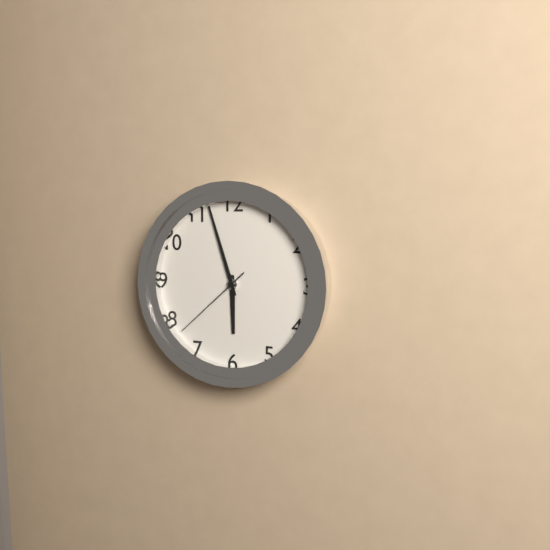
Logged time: {"hour": 5, "minute": 57, "second": 38}
